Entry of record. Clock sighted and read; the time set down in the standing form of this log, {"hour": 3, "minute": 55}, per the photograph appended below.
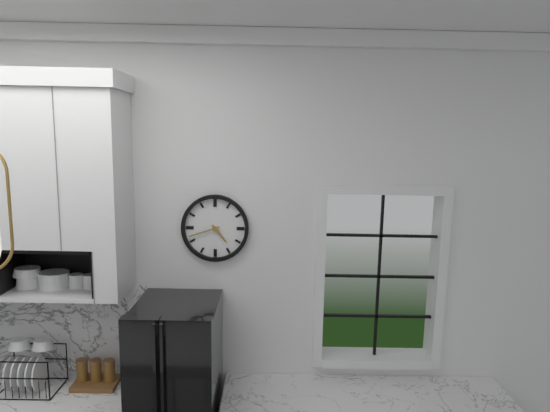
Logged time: {"hour": 4, "minute": 42}
